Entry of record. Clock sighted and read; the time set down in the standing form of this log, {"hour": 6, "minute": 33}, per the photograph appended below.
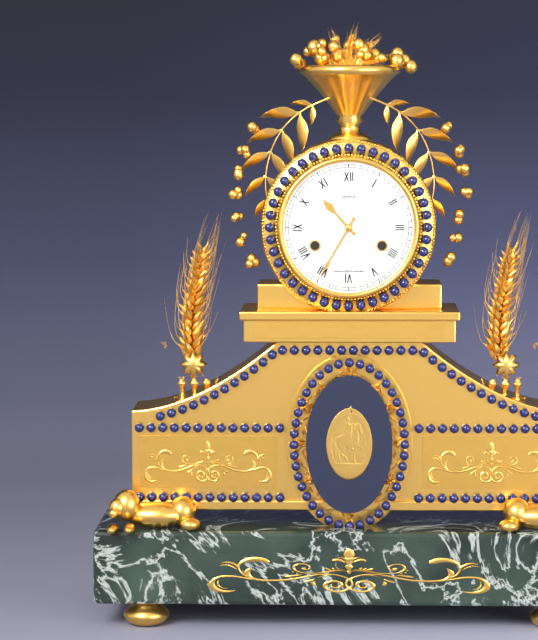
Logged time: {"hour": 10, "minute": 35}
